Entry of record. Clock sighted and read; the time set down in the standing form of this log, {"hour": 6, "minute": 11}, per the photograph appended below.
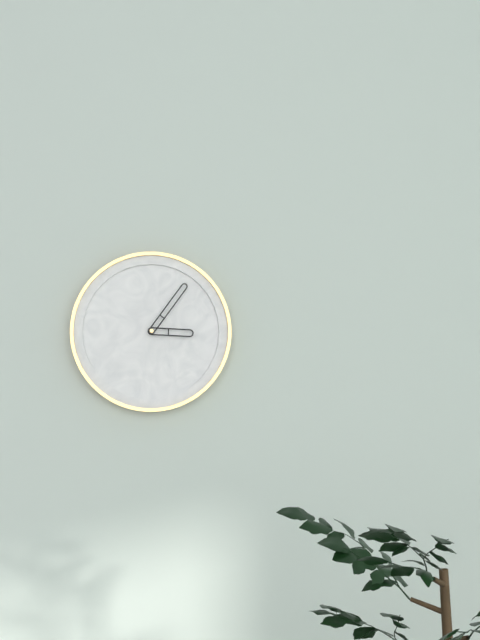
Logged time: {"hour": 3, "minute": 6}
